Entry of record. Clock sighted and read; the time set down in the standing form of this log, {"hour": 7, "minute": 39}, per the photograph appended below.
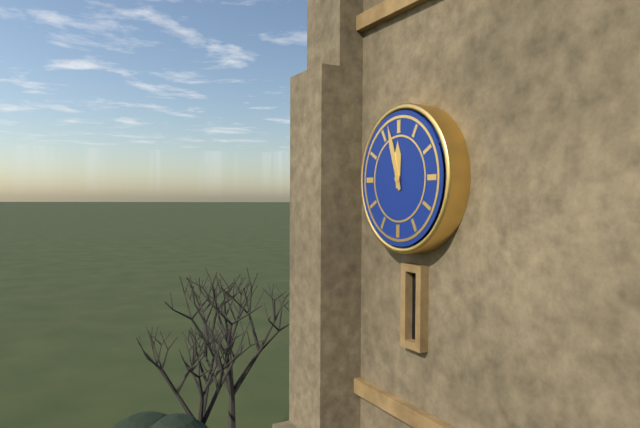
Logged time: {"hour": 11, "minute": 57}
